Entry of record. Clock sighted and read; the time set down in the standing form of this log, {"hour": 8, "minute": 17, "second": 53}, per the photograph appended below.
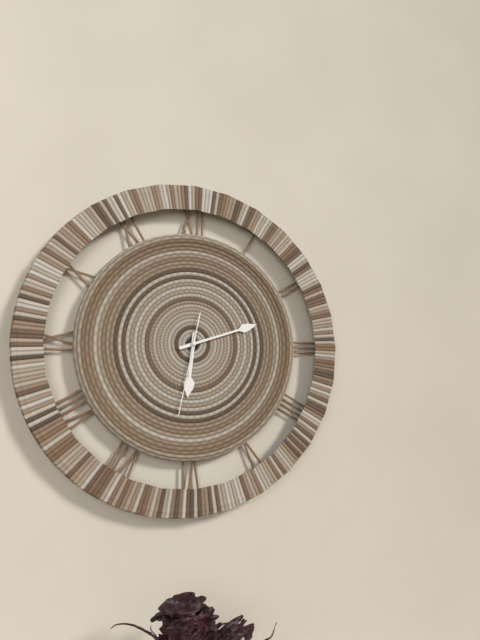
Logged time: {"hour": 6, "minute": 12, "second": 32}
